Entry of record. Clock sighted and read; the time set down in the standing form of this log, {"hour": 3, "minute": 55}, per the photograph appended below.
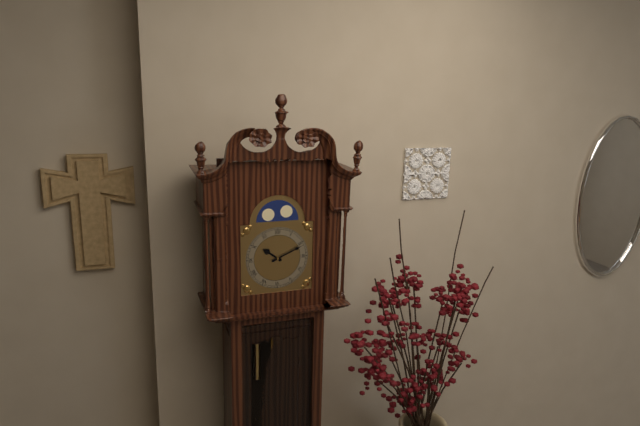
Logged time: {"hour": 10, "minute": 11}
